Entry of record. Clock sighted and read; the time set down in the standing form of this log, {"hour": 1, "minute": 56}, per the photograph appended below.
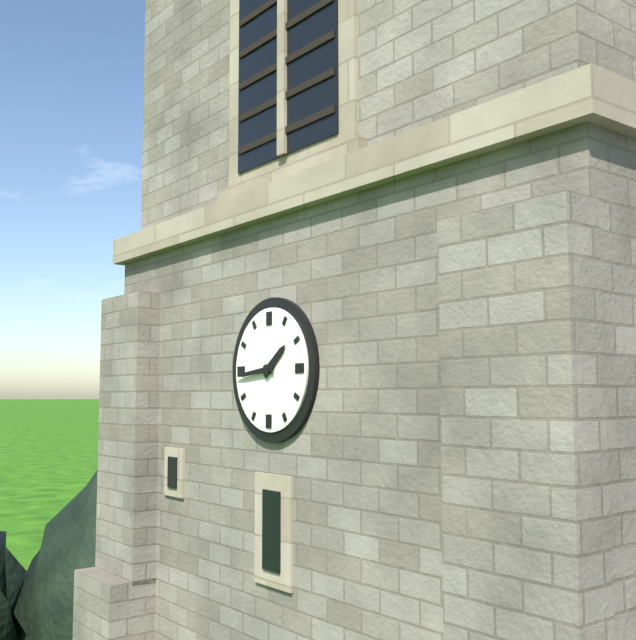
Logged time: {"hour": 1, "minute": 44}
